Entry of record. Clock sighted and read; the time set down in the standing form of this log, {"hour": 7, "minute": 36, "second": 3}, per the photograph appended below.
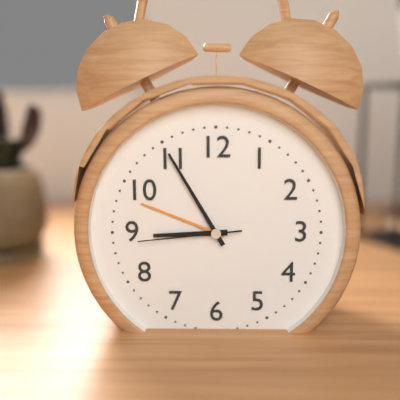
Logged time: {"hour": 8, "minute": 55, "second": 44}
